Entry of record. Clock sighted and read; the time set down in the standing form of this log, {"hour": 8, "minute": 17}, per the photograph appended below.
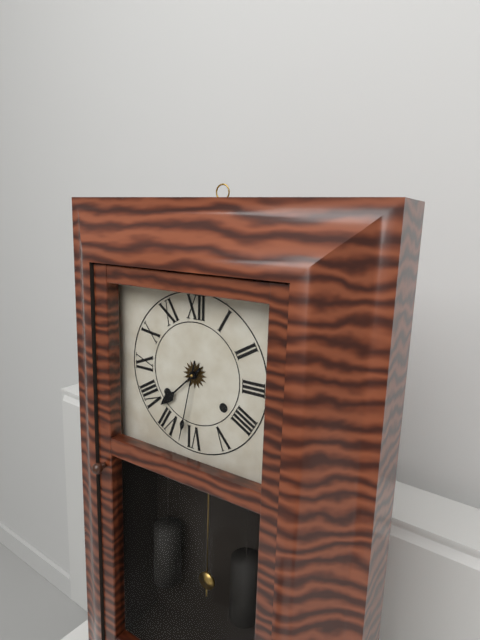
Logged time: {"hour": 7, "minute": 32}
